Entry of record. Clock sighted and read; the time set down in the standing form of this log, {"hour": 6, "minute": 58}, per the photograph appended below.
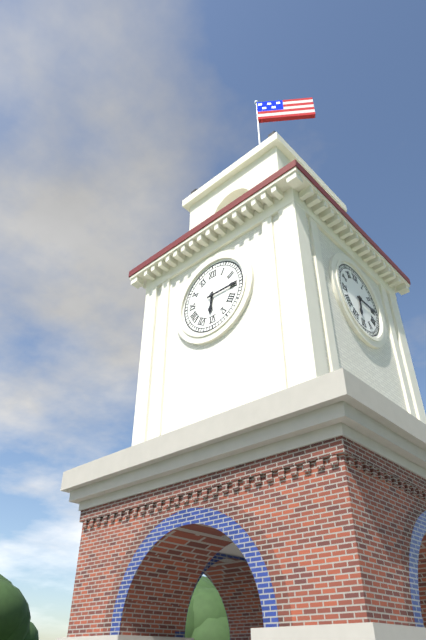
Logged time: {"hour": 6, "minute": 15}
